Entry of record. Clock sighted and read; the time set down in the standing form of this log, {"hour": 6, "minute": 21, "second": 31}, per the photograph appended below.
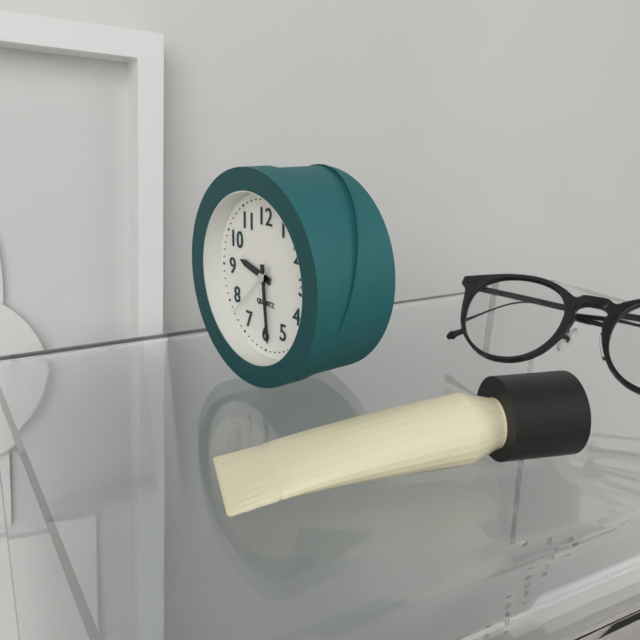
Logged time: {"hour": 9, "minute": 29, "second": 38}
